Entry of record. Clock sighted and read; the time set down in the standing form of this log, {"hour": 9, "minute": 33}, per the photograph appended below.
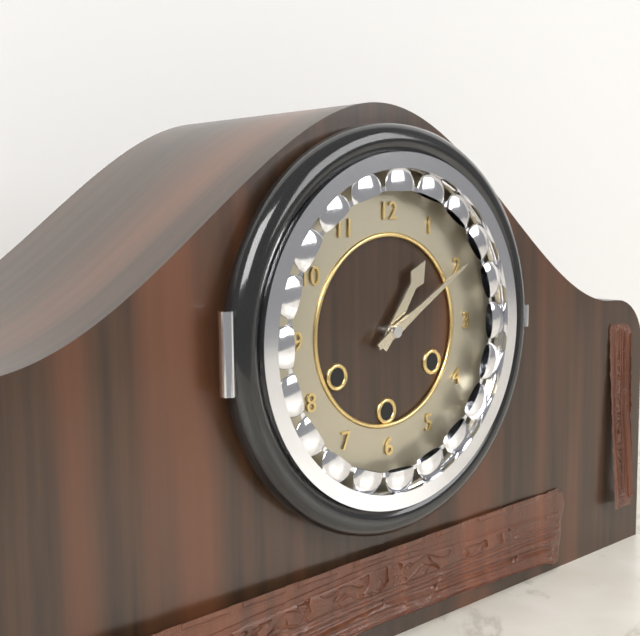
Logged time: {"hour": 1, "minute": 10}
